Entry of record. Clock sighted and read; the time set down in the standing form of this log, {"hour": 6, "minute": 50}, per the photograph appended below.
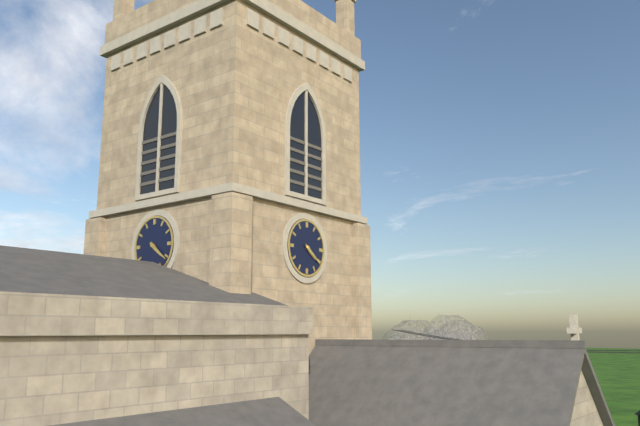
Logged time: {"hour": 4, "minute": 21}
